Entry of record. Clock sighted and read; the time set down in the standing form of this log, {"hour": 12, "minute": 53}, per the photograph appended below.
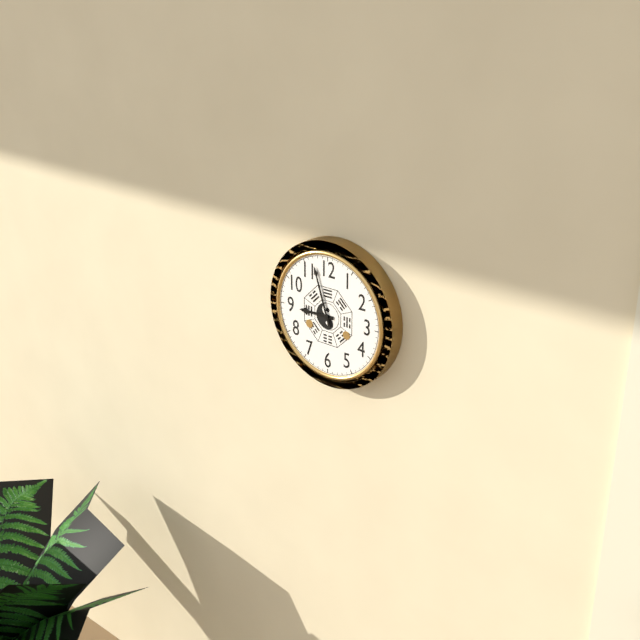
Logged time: {"hour": 8, "minute": 57}
